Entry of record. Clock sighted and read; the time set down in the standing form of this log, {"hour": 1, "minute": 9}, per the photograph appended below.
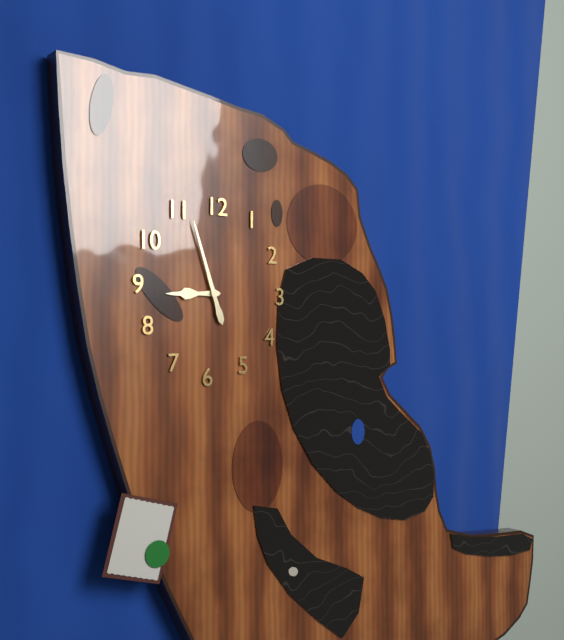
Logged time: {"hour": 8, "minute": 57}
